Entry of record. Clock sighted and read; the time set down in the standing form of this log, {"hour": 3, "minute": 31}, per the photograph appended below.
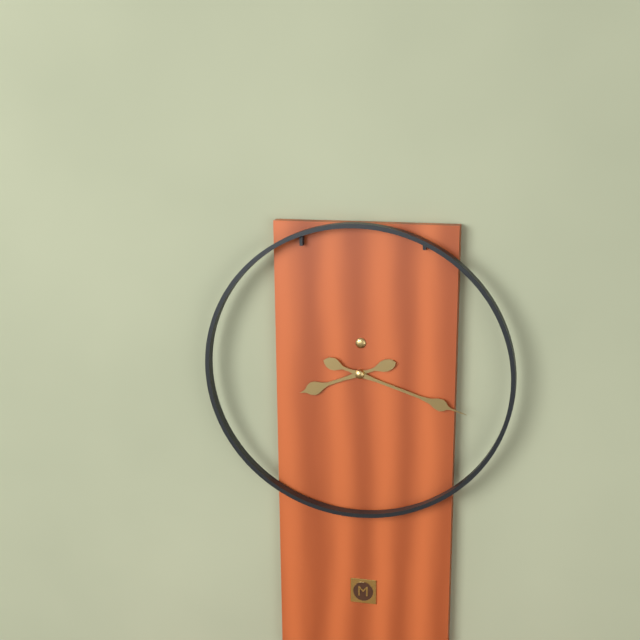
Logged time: {"hour": 8, "minute": 18}
